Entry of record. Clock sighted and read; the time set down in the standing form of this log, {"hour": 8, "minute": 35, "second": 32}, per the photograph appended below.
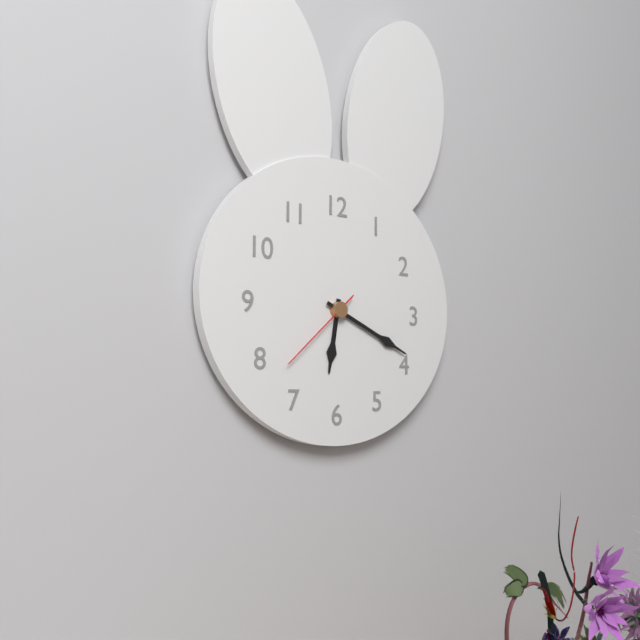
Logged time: {"hour": 6, "minute": 19, "second": 38}
